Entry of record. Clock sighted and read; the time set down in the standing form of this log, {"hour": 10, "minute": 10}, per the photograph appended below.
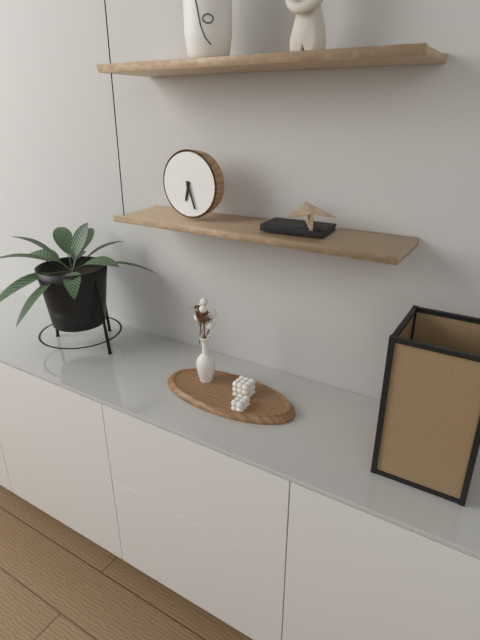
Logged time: {"hour": 6, "minute": 27}
